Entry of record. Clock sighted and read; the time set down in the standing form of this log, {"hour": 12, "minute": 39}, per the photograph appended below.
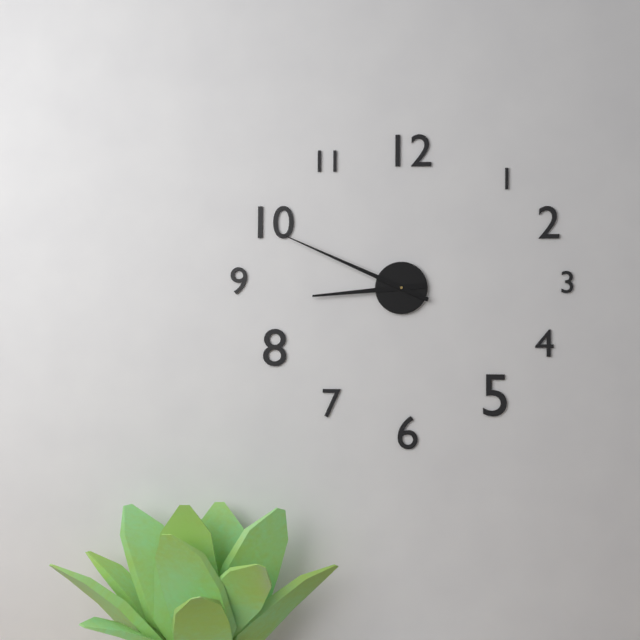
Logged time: {"hour": 8, "minute": 49}
